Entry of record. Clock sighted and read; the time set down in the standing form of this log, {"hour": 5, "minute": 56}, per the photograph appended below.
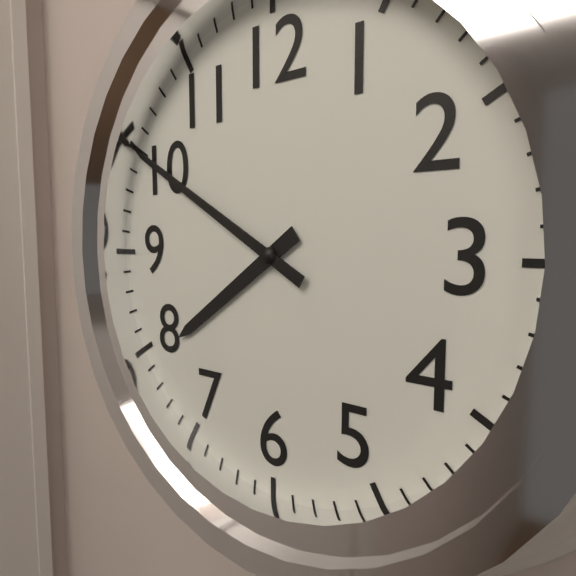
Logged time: {"hour": 7, "minute": 50}
